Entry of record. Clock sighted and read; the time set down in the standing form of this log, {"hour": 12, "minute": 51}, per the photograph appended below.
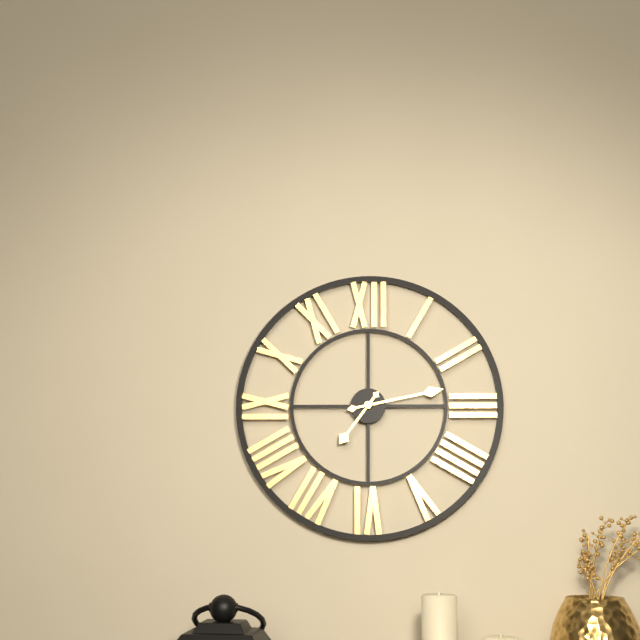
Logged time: {"hour": 7, "minute": 13}
